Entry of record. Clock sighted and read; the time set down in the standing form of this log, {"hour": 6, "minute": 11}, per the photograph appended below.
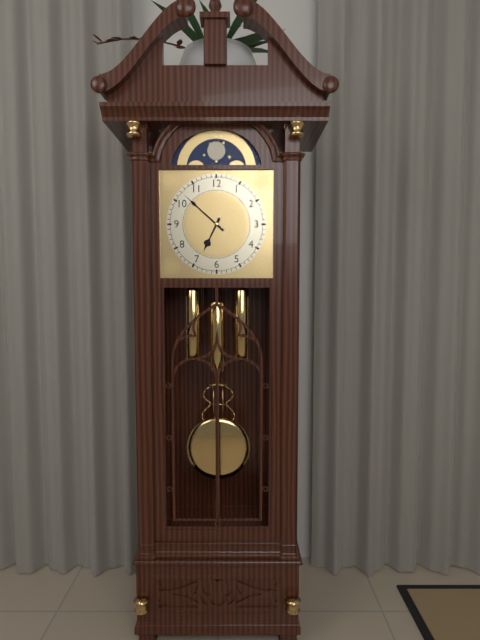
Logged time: {"hour": 6, "minute": 52}
